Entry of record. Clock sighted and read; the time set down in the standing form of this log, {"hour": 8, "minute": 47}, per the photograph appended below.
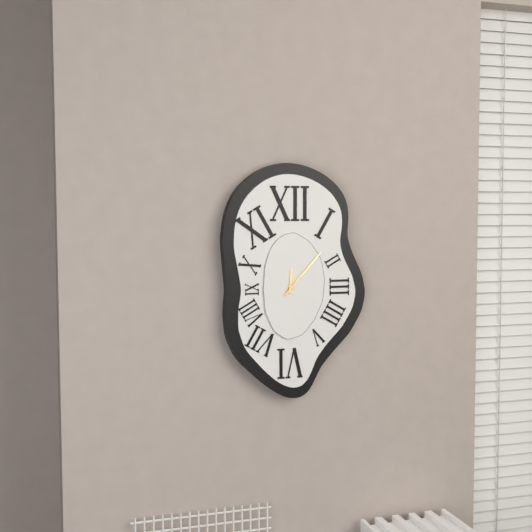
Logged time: {"hour": 12, "minute": 7}
